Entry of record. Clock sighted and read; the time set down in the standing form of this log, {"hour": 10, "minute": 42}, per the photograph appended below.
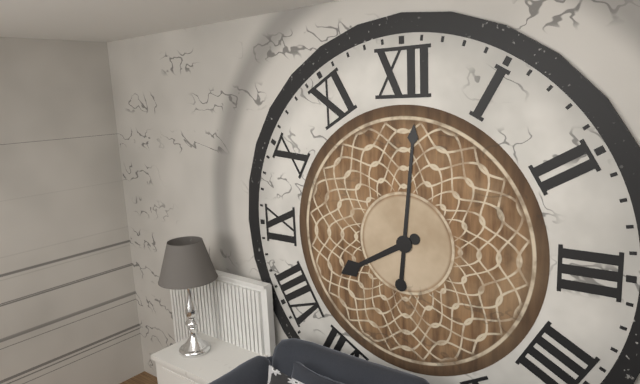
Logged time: {"hour": 8, "minute": 1}
